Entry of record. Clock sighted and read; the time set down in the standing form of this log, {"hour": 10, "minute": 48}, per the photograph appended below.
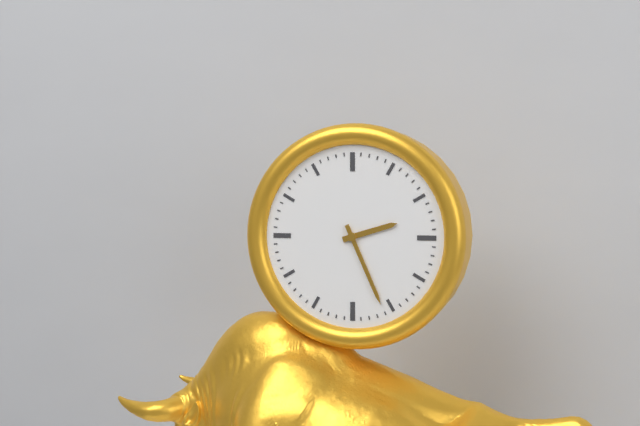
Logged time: {"hour": 2, "minute": 26}
